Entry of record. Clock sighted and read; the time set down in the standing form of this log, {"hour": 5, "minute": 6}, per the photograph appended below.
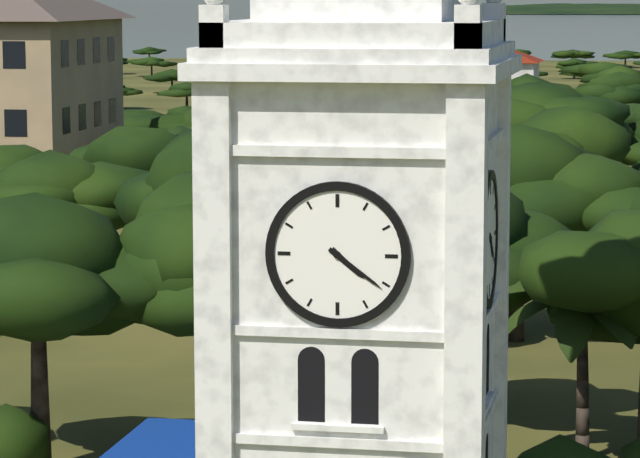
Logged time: {"hour": 4, "minute": 21}
